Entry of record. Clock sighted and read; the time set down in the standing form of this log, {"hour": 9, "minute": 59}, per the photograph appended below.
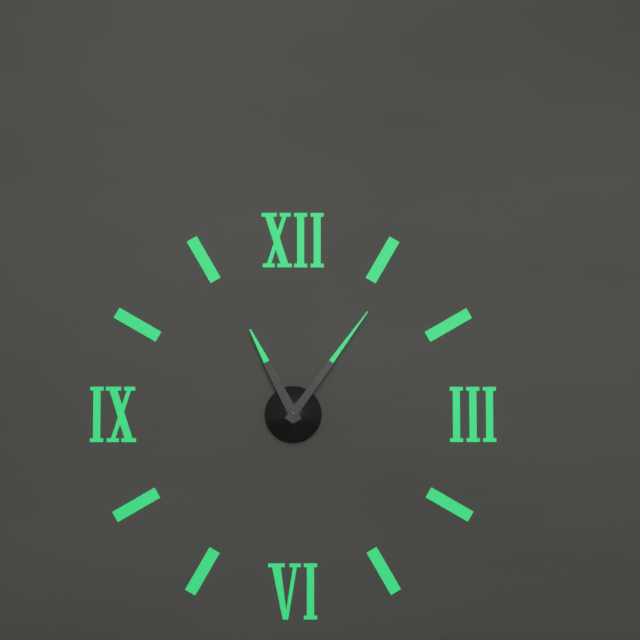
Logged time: {"hour": 11, "minute": 6}
